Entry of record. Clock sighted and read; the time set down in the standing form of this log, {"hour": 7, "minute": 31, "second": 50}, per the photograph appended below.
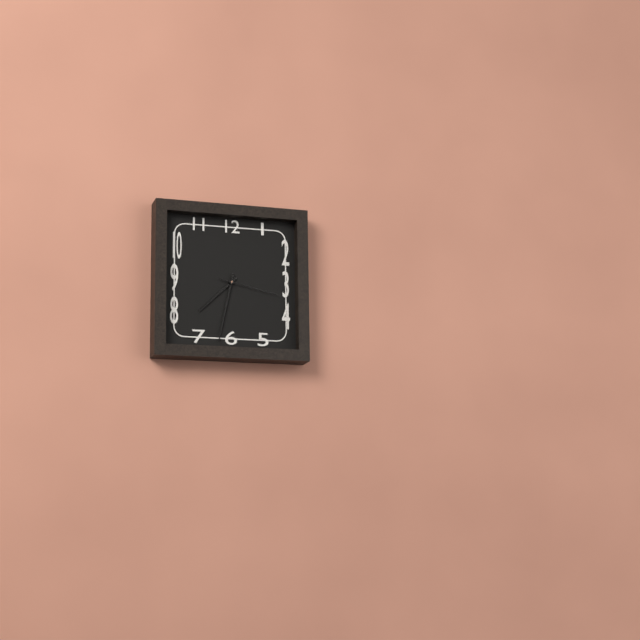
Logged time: {"hour": 7, "minute": 32, "second": 17}
